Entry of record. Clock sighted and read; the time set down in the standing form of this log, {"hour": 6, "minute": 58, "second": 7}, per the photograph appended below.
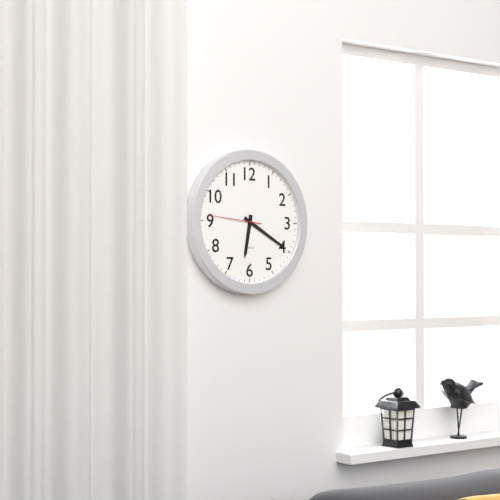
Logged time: {"hour": 6, "minute": 20, "second": 46}
